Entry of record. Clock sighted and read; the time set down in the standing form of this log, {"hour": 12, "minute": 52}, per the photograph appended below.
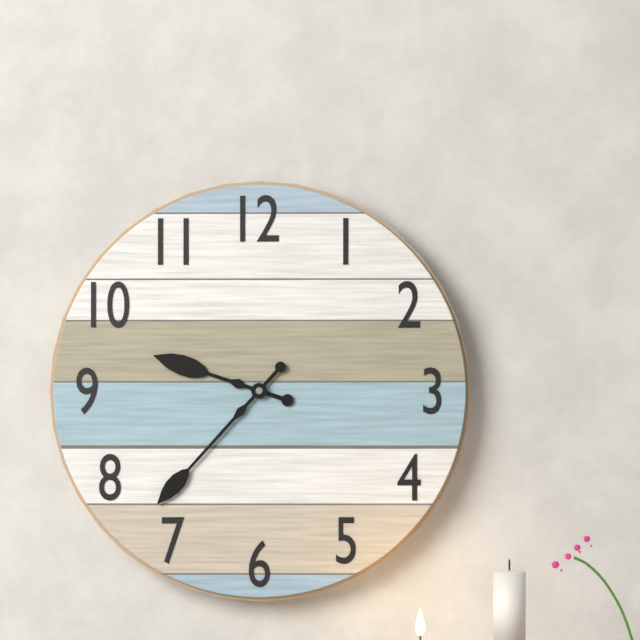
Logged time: {"hour": 9, "minute": 37}
